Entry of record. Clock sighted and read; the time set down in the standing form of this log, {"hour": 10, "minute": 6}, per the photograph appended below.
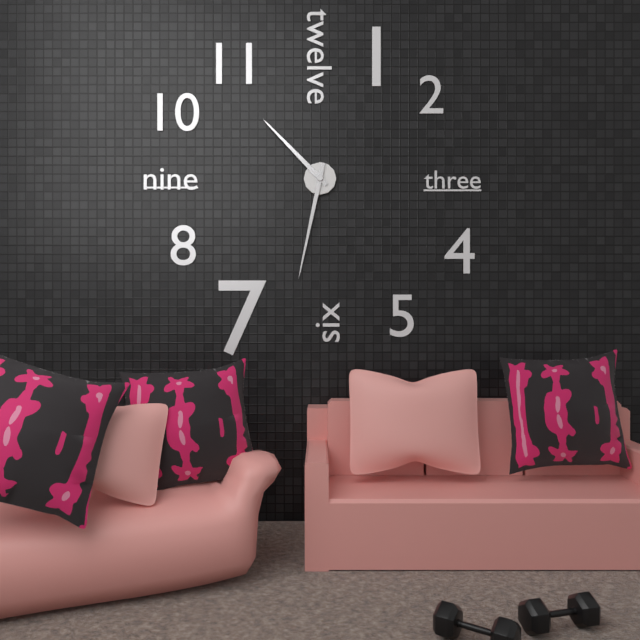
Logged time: {"hour": 10, "minute": 32}
